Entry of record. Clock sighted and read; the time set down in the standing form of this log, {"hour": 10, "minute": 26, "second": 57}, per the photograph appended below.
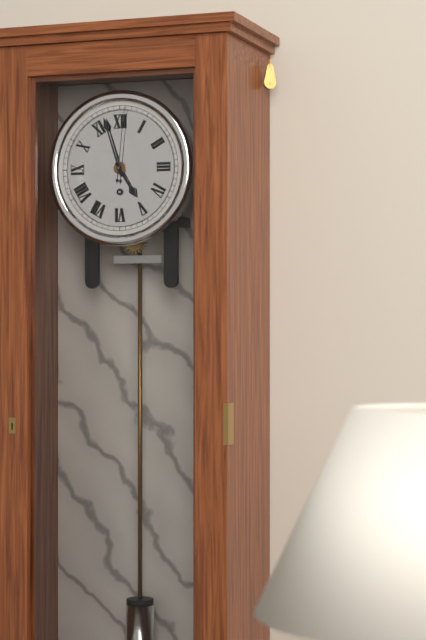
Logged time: {"hour": 4, "minute": 57, "second": 1}
